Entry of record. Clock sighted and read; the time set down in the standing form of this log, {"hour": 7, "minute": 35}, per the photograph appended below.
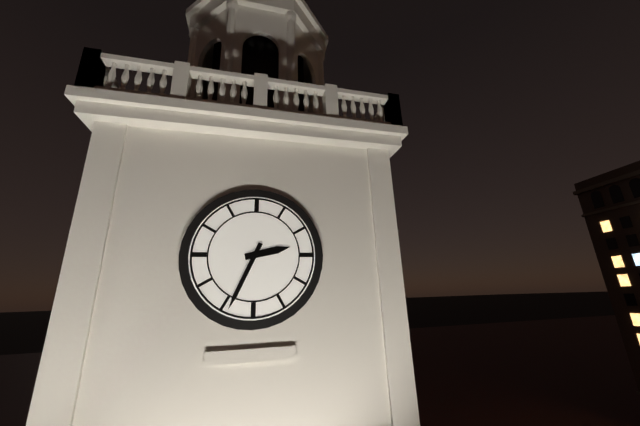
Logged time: {"hour": 2, "minute": 34}
